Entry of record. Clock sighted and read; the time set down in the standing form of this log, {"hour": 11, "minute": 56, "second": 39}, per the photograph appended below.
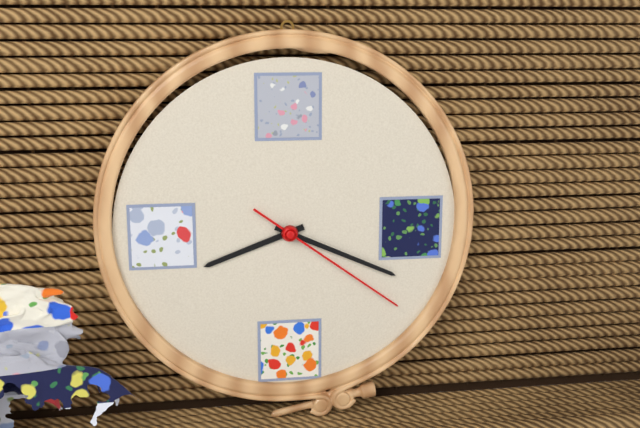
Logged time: {"hour": 8, "minute": 19, "second": 21}
